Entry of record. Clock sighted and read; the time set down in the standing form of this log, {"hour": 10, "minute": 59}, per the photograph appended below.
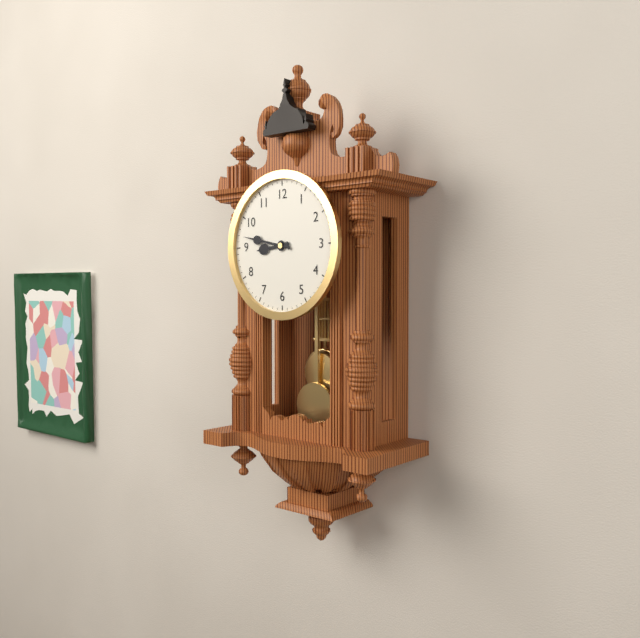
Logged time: {"hour": 8, "minute": 47}
